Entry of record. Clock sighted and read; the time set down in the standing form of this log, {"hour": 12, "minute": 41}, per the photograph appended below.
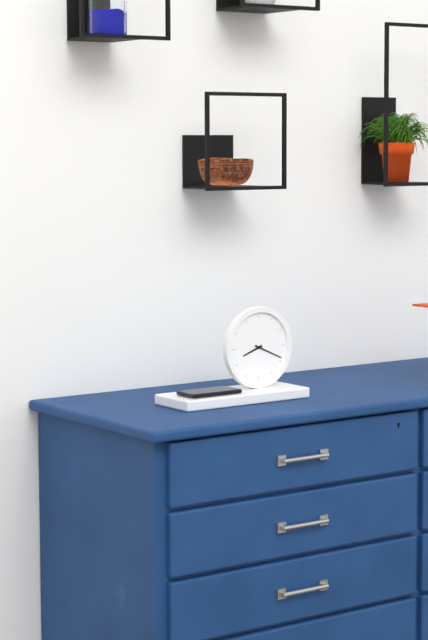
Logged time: {"hour": 8, "minute": 19}
